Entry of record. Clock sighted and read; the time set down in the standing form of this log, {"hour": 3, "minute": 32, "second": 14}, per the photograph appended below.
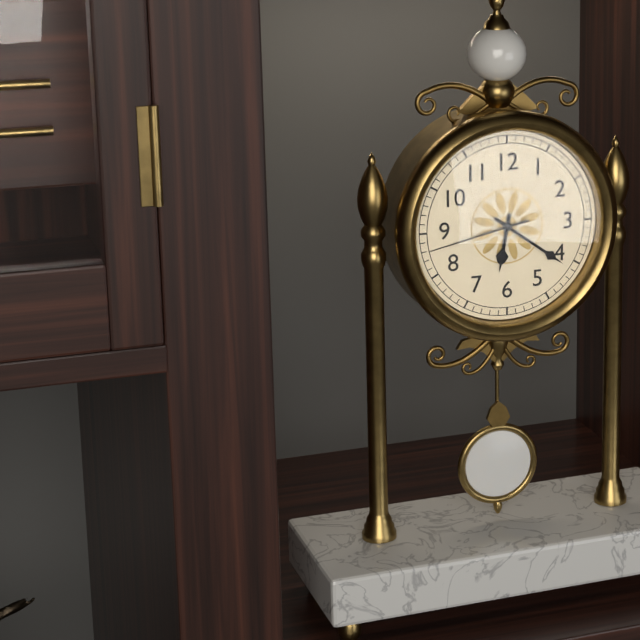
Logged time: {"hour": 6, "minute": 21, "second": 43}
